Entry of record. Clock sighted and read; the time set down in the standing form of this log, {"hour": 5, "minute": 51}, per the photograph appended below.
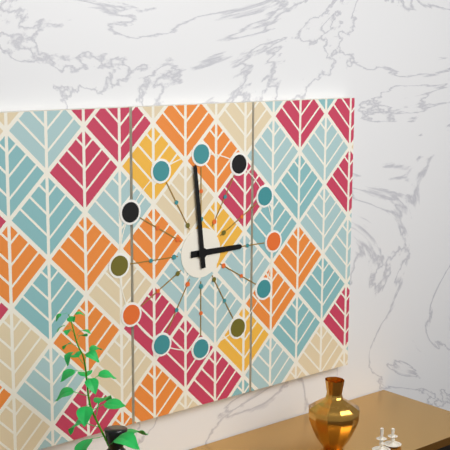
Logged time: {"hour": 2, "minute": 59}
